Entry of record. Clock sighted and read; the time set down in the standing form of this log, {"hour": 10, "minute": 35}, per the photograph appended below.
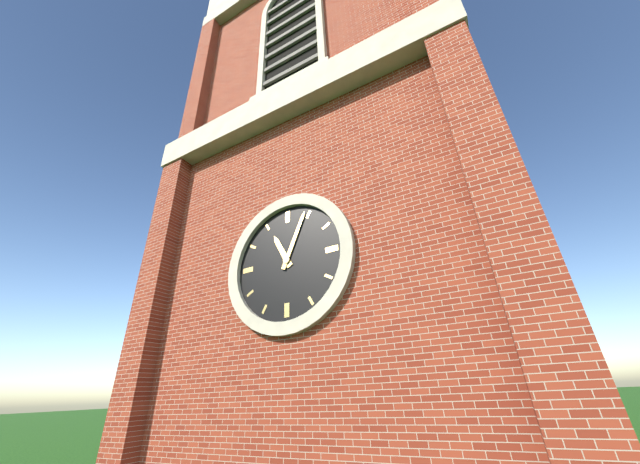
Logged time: {"hour": 11, "minute": 4}
